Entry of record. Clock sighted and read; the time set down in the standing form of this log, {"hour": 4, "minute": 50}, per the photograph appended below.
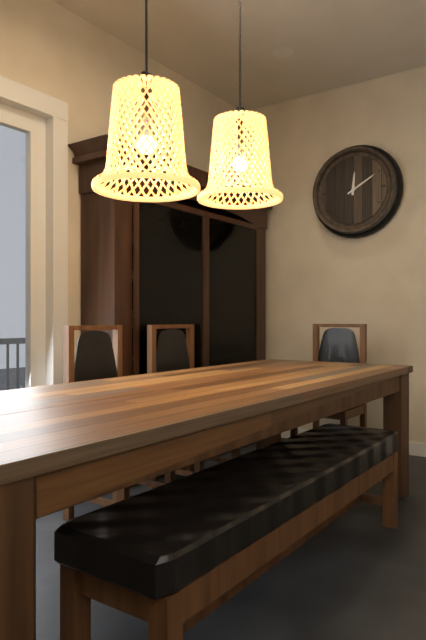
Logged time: {"hour": 12, "minute": 10}
